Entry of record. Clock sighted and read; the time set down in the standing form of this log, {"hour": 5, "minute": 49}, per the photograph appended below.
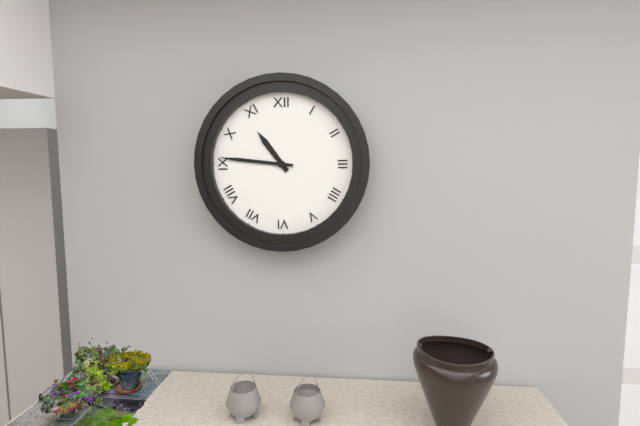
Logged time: {"hour": 10, "minute": 46}
